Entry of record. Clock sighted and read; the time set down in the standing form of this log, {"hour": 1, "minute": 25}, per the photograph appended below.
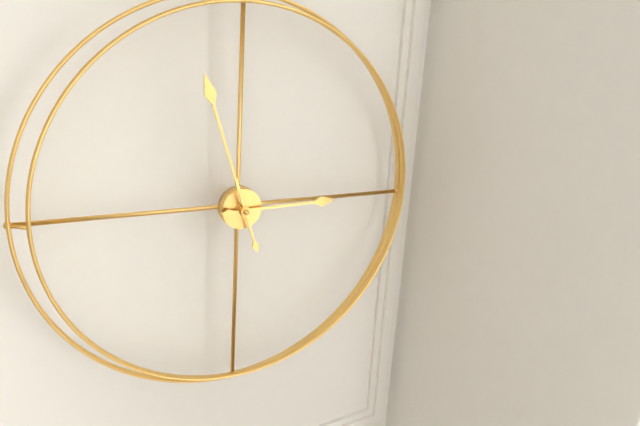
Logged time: {"hour": 2, "minute": 57}
